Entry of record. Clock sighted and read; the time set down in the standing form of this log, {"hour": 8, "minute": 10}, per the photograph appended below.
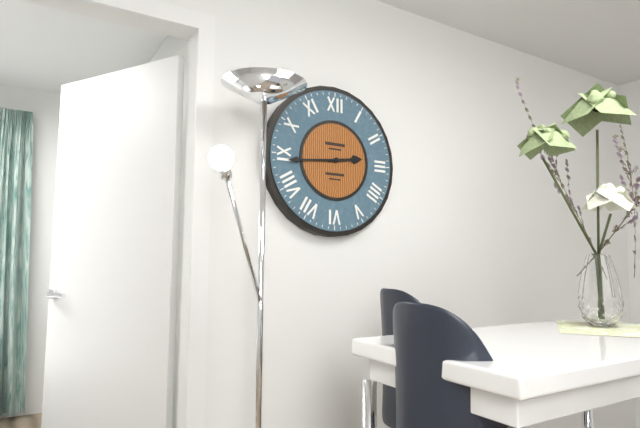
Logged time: {"hour": 2, "minute": 44}
